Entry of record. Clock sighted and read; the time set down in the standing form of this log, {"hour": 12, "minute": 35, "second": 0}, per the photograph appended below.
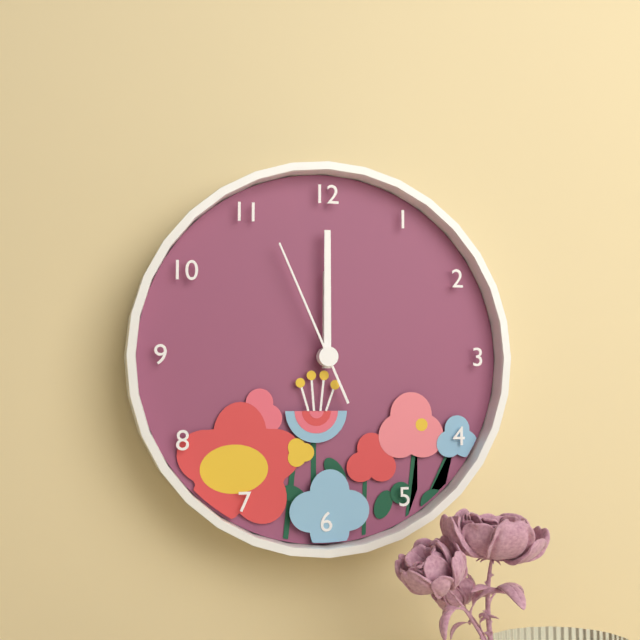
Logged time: {"hour": 12, "minute": 0, "second": 56}
